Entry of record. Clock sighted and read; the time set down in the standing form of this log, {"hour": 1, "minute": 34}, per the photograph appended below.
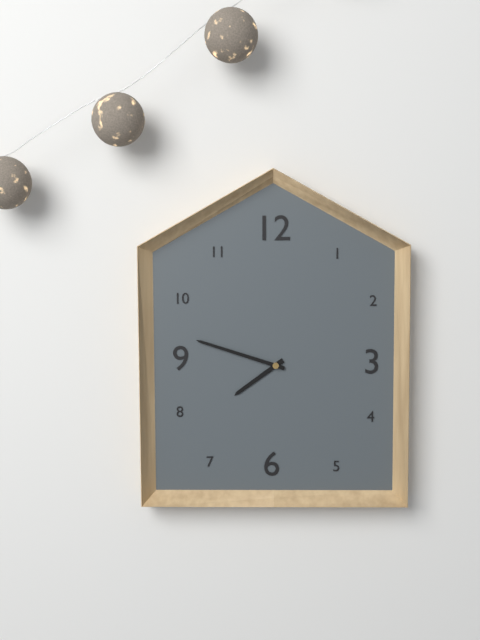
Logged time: {"hour": 7, "minute": 48}
